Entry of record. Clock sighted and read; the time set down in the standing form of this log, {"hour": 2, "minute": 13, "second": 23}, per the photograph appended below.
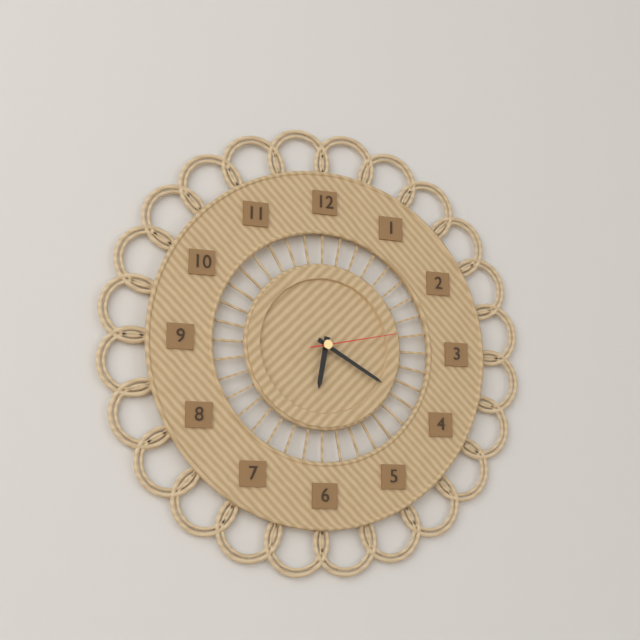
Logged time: {"hour": 6, "minute": 20, "second": 13}
